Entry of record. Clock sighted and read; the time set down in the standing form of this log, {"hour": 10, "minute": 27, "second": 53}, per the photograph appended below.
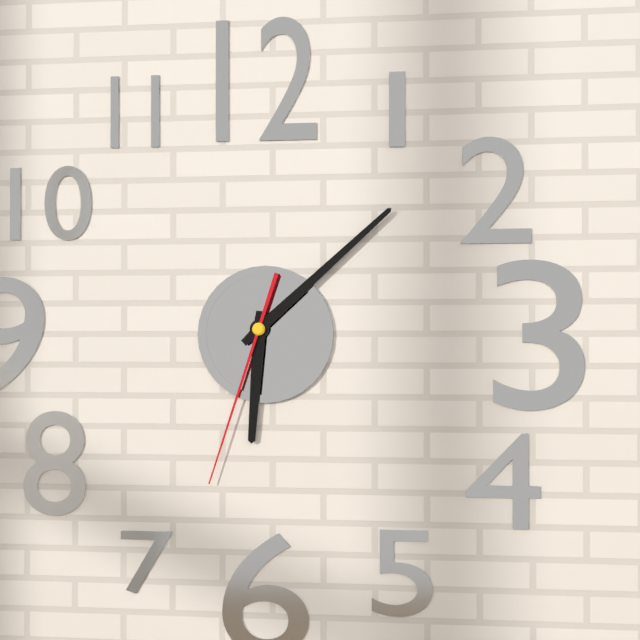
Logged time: {"hour": 6, "minute": 8, "second": 33}
